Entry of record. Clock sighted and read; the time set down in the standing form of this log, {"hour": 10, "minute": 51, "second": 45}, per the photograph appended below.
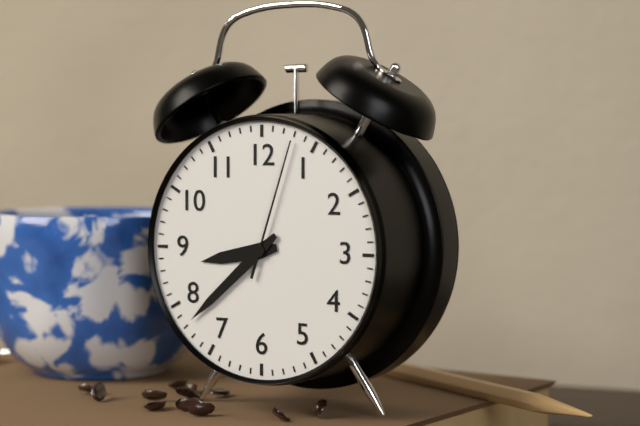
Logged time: {"hour": 8, "minute": 38, "second": 3}
